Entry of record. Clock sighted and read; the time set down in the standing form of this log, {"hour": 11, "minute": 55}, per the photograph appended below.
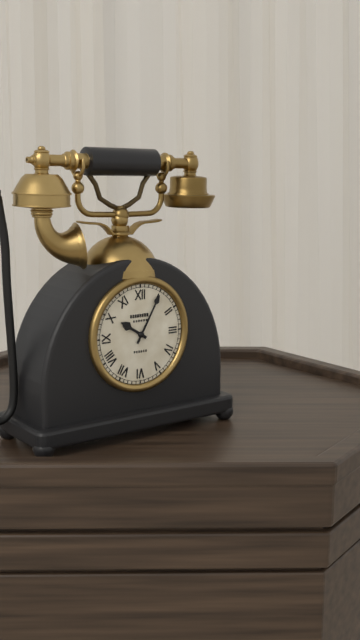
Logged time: {"hour": 10, "minute": 5}
